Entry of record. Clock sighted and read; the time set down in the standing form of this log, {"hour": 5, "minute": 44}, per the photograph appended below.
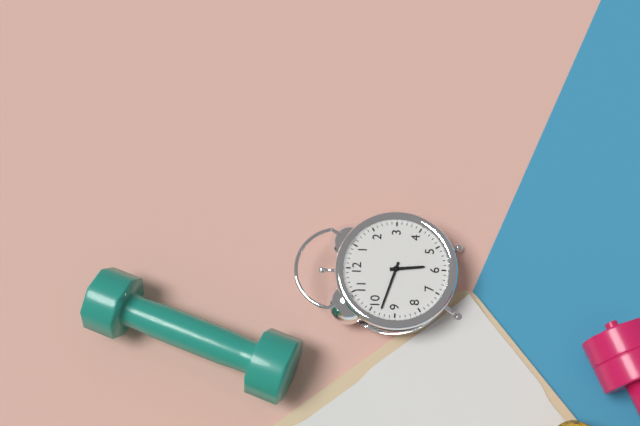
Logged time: {"hour": 5, "minute": 48}
